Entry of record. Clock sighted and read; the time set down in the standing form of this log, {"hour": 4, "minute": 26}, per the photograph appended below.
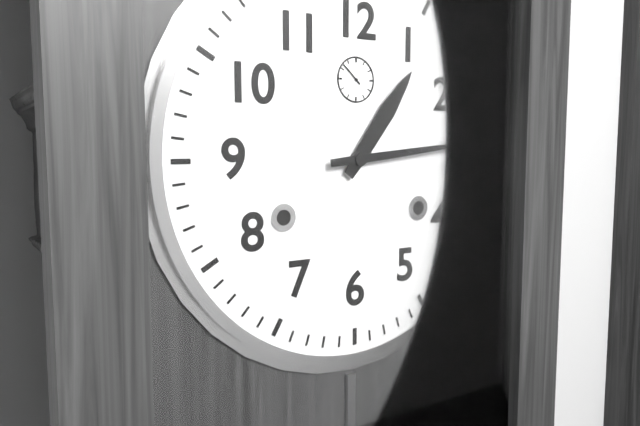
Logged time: {"hour": 1, "minute": 14}
